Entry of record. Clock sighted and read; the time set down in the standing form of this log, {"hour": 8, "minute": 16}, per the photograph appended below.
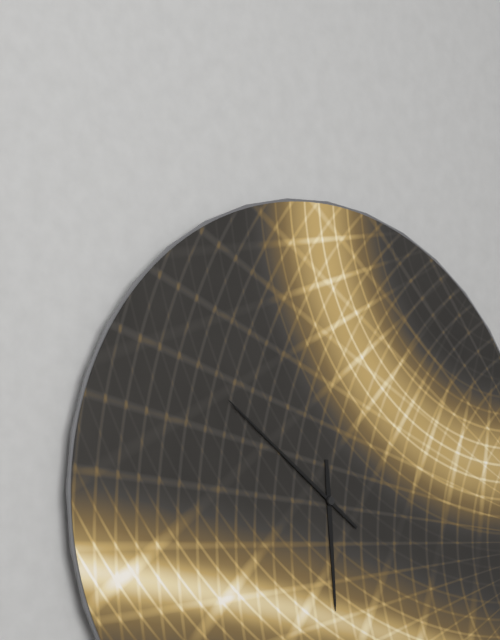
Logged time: {"hour": 5, "minute": 51}
